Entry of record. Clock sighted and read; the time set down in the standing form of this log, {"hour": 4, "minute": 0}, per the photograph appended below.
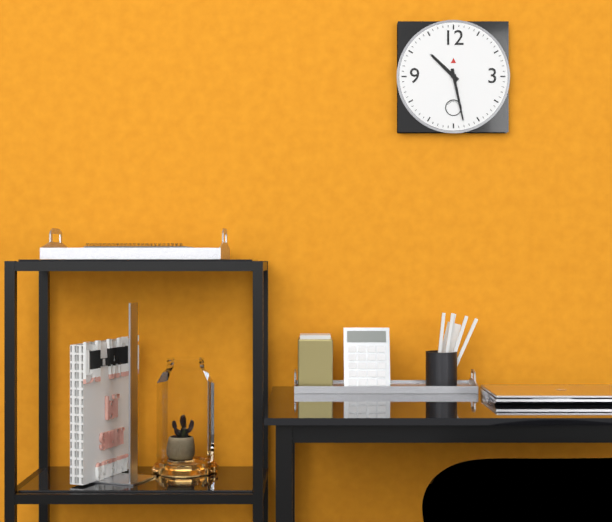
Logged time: {"hour": 10, "minute": 28}
